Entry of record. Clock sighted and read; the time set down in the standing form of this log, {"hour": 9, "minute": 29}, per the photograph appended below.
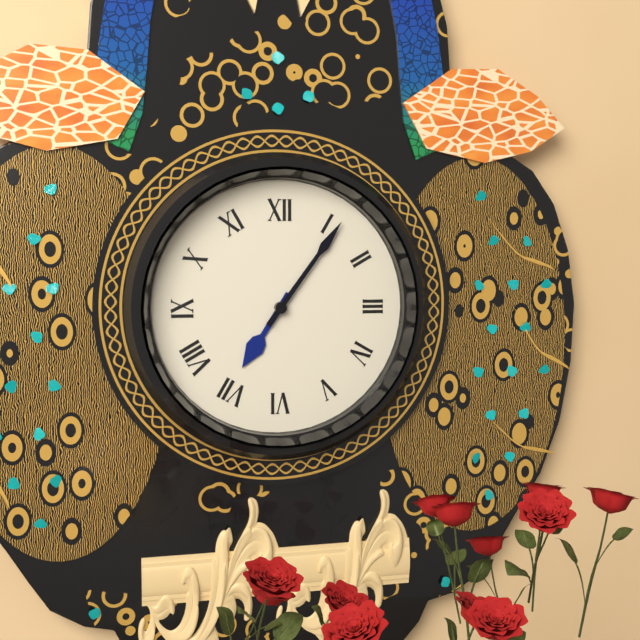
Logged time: {"hour": 7, "minute": 6}
